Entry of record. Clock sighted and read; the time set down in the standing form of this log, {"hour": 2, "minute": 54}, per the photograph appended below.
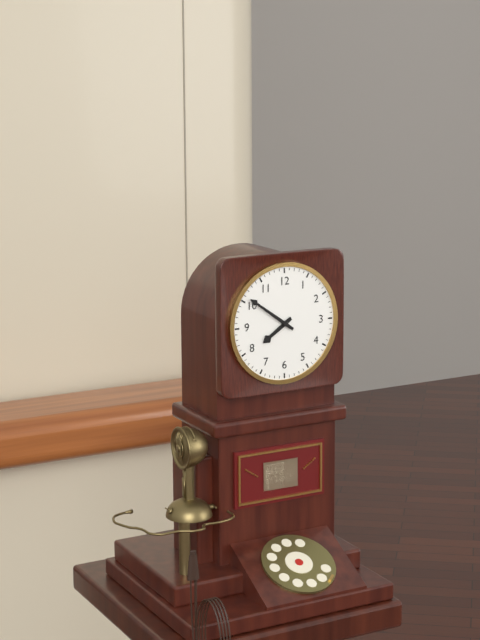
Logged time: {"hour": 7, "minute": 51}
